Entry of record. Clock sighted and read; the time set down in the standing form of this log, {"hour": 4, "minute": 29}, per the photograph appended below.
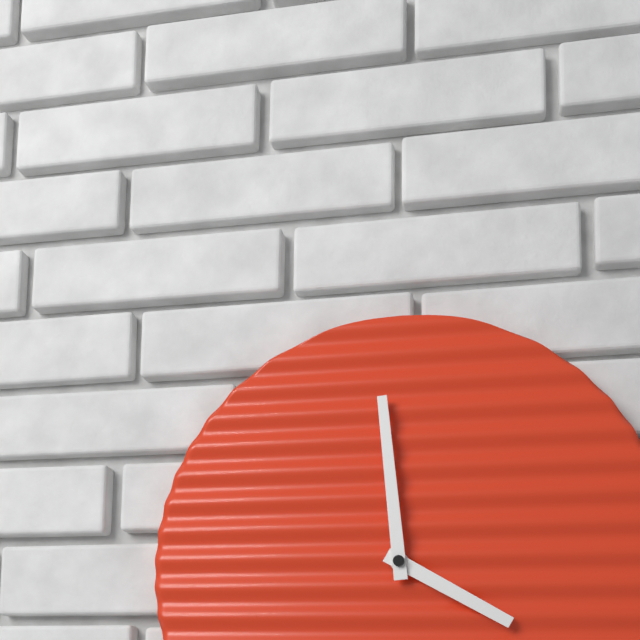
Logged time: {"hour": 3, "minute": 59}
